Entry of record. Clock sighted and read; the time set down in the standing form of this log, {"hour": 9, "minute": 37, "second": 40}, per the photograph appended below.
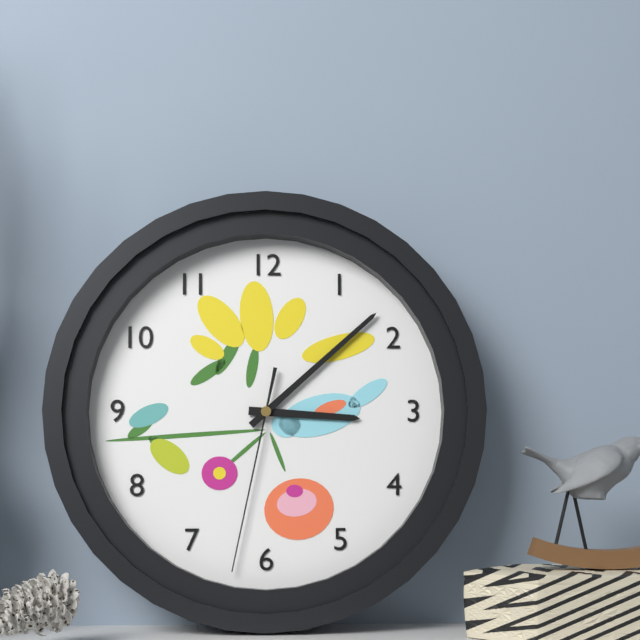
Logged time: {"hour": 3, "minute": 8, "second": 32}
